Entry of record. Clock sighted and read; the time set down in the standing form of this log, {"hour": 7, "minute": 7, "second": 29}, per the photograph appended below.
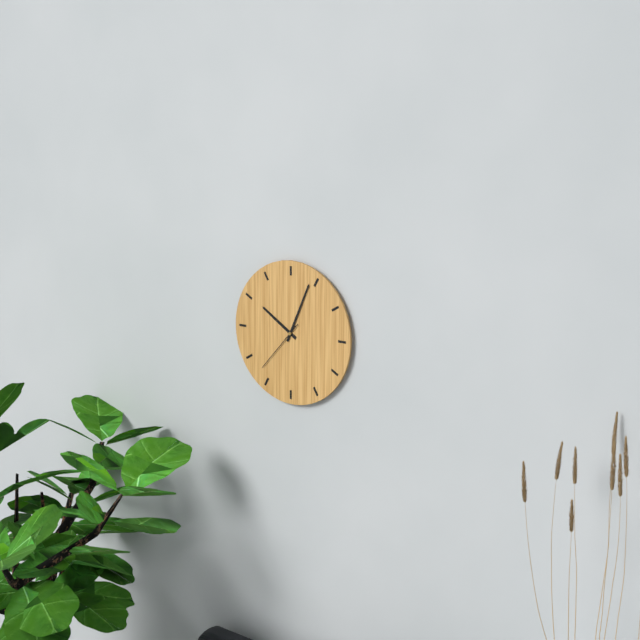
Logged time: {"hour": 10, "minute": 4, "second": 37}
